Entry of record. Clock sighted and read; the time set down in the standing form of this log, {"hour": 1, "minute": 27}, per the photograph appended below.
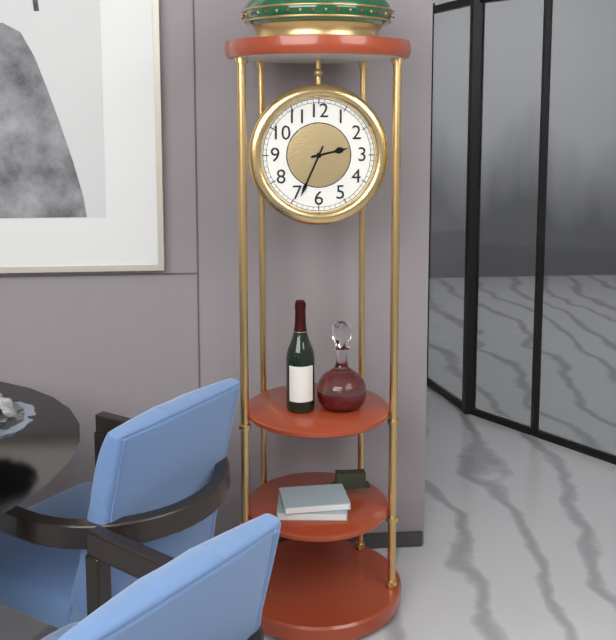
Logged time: {"hour": 2, "minute": 34}
